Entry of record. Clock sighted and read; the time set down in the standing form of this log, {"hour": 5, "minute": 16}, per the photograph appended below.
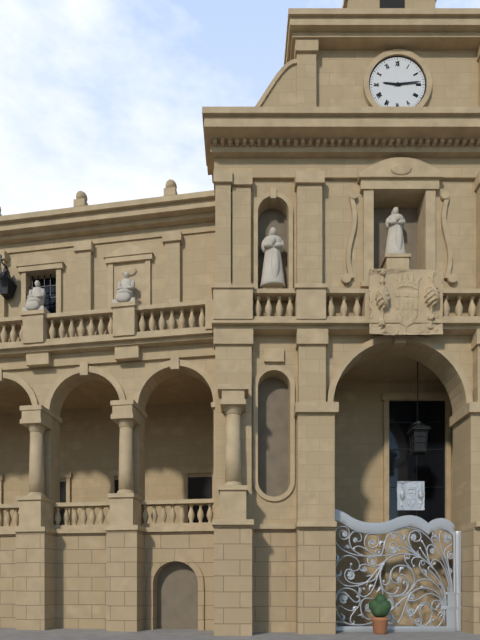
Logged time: {"hour": 9, "minute": 14}
